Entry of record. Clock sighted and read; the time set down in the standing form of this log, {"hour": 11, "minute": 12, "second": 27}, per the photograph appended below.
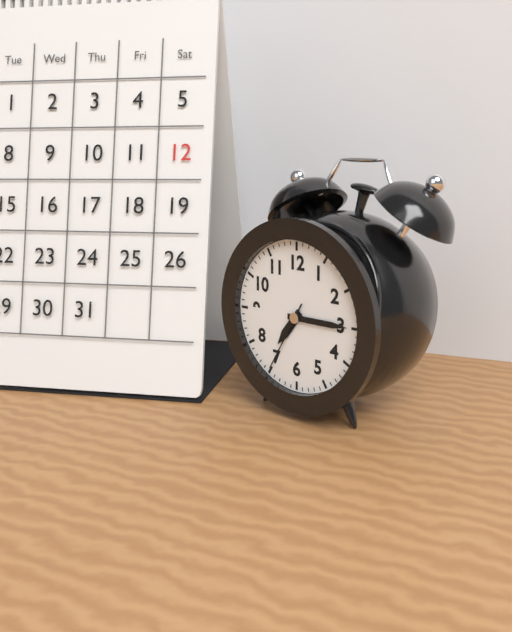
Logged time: {"hour": 7, "minute": 15, "second": 35}
